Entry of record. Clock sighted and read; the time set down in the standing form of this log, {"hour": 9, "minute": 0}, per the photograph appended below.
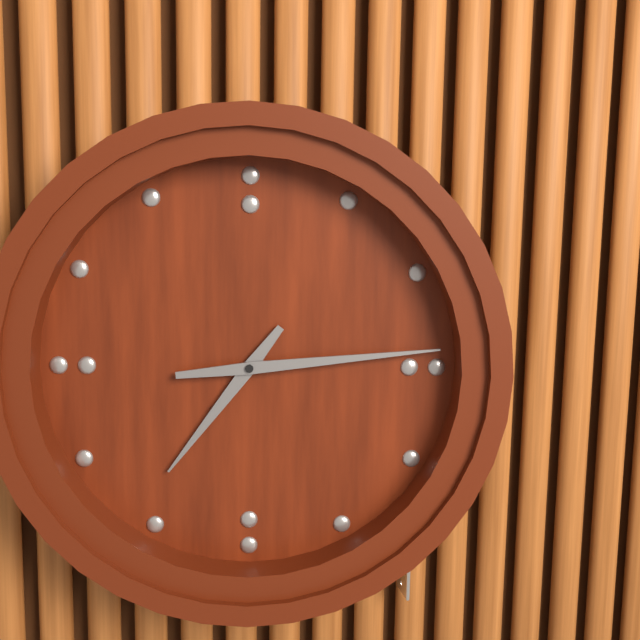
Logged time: {"hour": 7, "minute": 14}
